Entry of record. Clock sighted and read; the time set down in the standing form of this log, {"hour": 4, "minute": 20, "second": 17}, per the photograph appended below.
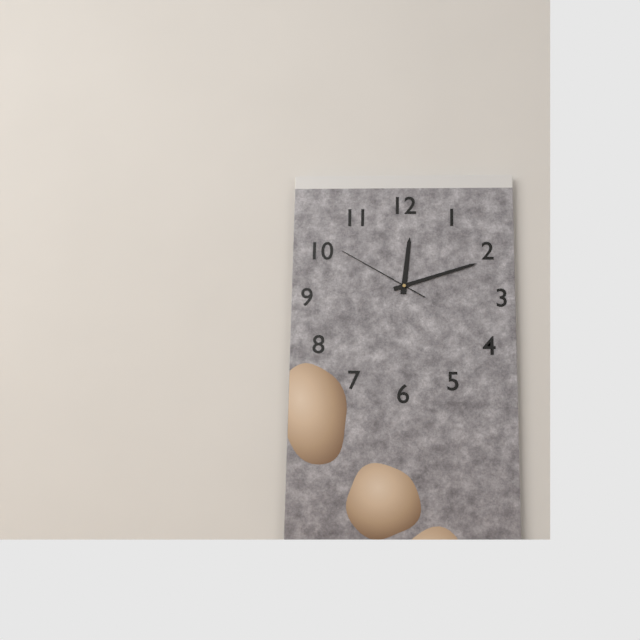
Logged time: {"hour": 12, "minute": 12, "second": 50}
